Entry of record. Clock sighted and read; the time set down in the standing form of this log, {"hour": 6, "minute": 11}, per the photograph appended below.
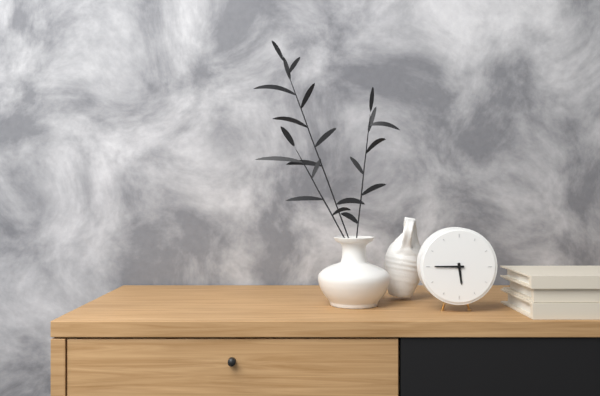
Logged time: {"hour": 5, "minute": 45}
